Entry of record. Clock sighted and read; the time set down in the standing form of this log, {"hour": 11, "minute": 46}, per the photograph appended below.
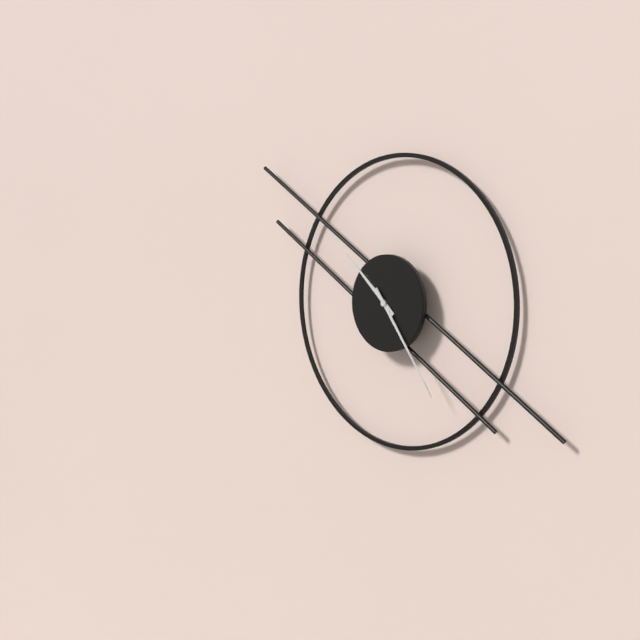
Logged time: {"hour": 10, "minute": 24}
